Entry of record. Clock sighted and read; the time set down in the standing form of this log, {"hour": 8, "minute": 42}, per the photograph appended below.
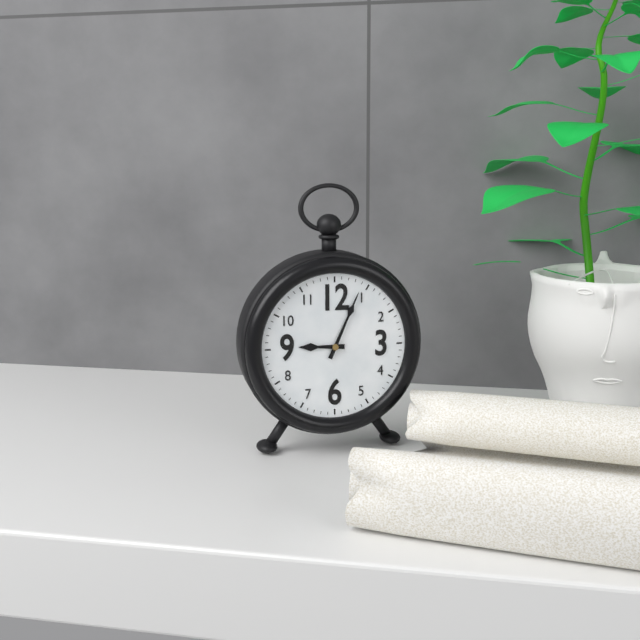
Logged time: {"hour": 9, "minute": 4}
